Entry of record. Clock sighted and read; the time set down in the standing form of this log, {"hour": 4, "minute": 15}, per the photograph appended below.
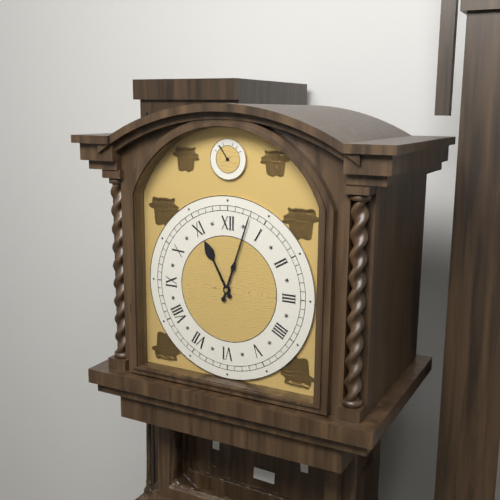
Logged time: {"hour": 11, "minute": 3}
